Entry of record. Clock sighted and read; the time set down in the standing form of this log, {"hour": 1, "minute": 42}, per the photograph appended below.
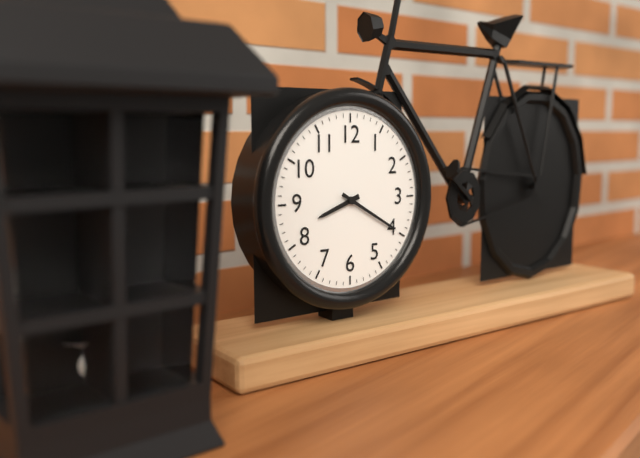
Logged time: {"hour": 8, "minute": 20}
